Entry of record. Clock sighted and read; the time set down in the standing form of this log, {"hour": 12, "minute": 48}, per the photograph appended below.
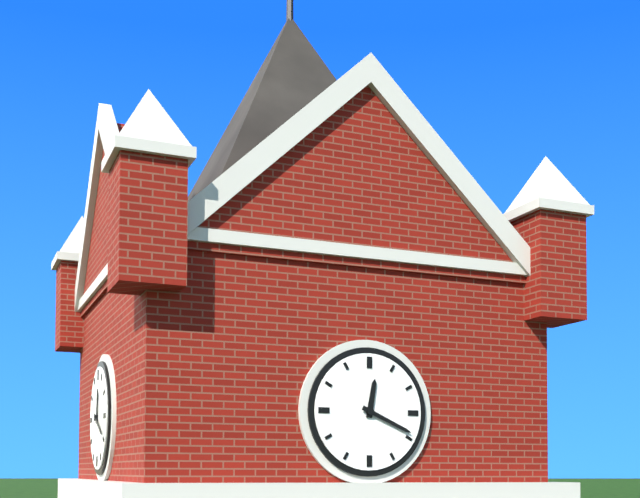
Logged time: {"hour": 12, "minute": 19}
